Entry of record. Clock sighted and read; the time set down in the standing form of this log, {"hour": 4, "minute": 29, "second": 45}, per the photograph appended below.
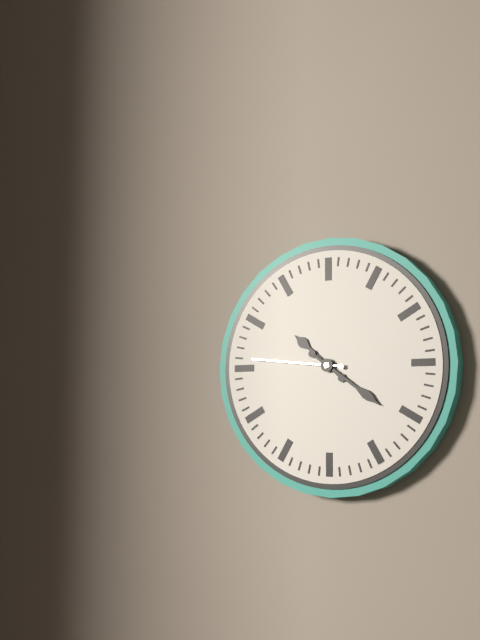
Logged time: {"hour": 10, "minute": 21, "second": 46}
